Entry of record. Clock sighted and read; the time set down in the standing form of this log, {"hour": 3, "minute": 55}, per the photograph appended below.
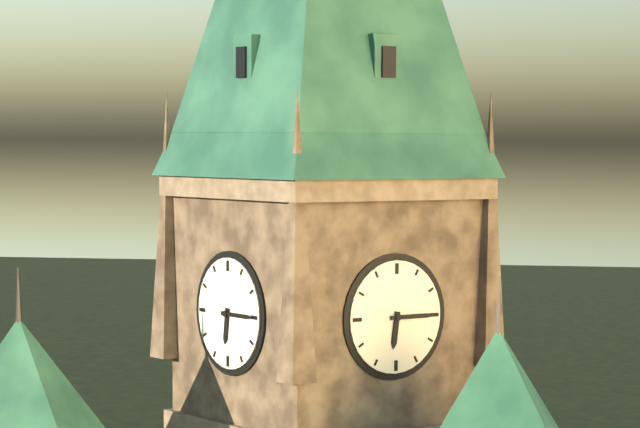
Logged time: {"hour": 6, "minute": 15}
